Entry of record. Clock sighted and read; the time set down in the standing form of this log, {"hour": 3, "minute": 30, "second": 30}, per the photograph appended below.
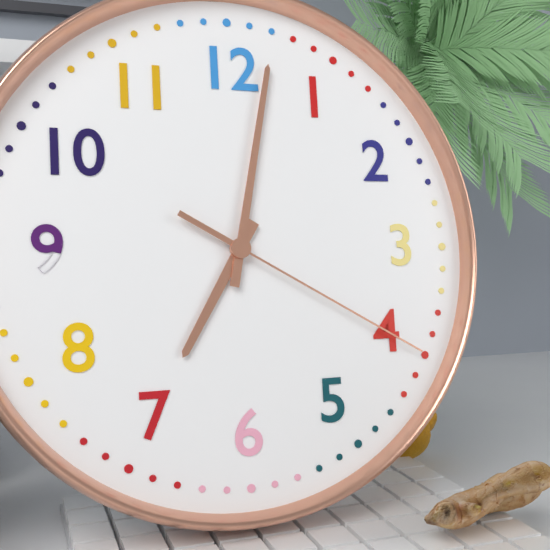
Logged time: {"hour": 7, "minute": 2, "second": 20}
